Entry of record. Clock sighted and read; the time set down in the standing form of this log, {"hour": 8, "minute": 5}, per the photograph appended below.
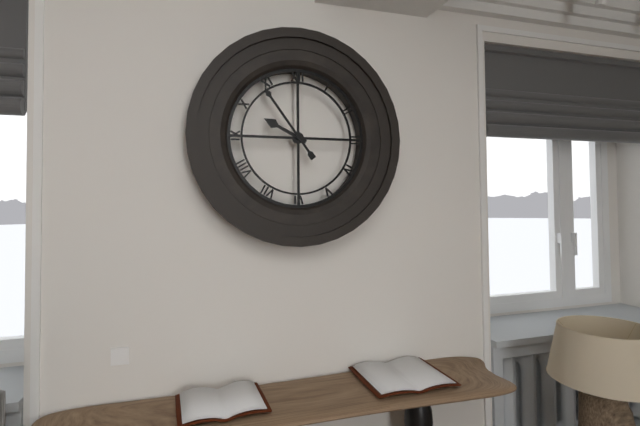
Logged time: {"hour": 9, "minute": 54}
